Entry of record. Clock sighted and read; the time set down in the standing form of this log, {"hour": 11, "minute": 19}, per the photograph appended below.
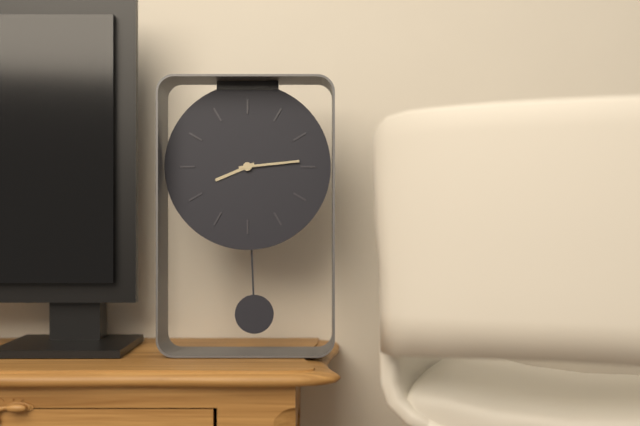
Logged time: {"hour": 8, "minute": 14}
